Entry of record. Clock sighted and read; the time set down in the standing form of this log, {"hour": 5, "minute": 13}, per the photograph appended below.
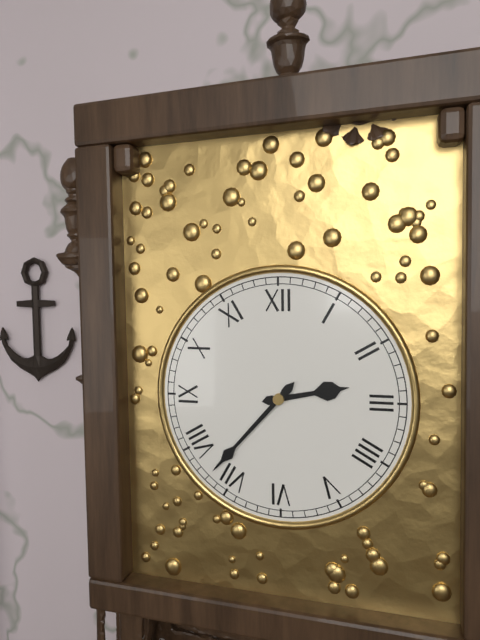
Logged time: {"hour": 2, "minute": 37}
